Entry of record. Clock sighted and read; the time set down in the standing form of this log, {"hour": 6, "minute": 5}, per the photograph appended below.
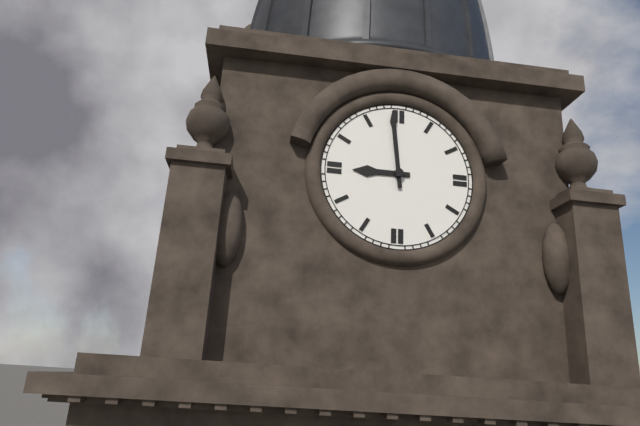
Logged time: {"hour": 8, "minute": 59}
